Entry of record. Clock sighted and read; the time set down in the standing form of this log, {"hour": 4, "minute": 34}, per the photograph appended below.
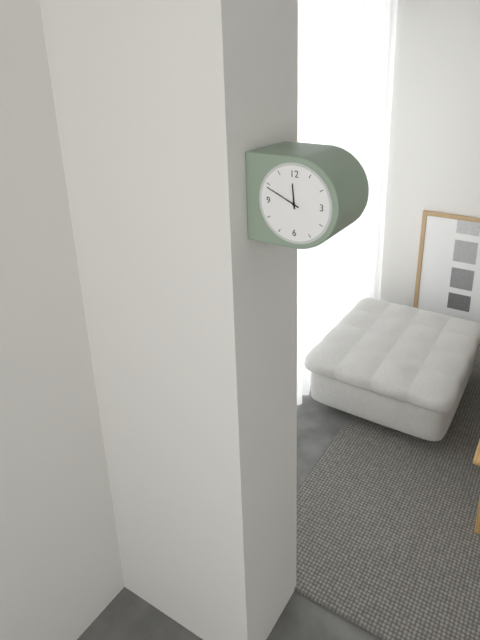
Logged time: {"hour": 11, "minute": 49}
